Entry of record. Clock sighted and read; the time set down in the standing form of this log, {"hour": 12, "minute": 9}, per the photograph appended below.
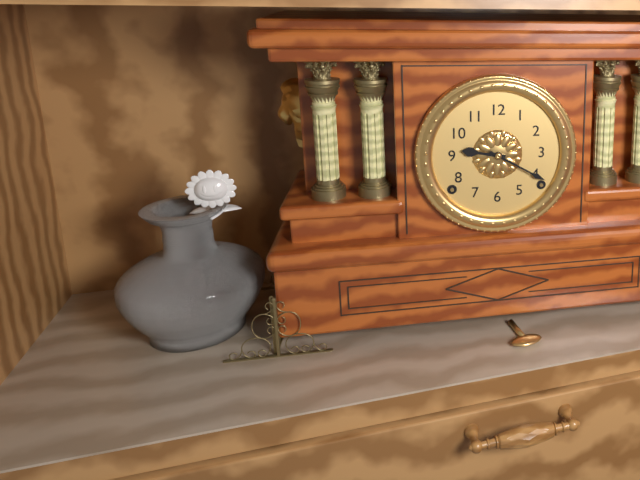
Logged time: {"hour": 9, "minute": 20}
